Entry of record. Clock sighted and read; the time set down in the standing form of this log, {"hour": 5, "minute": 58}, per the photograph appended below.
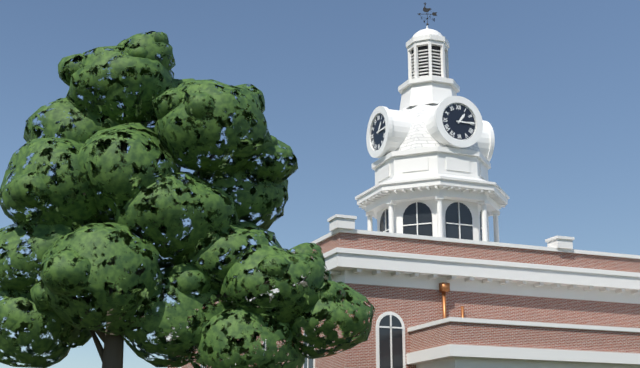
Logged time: {"hour": 1, "minute": 15}
